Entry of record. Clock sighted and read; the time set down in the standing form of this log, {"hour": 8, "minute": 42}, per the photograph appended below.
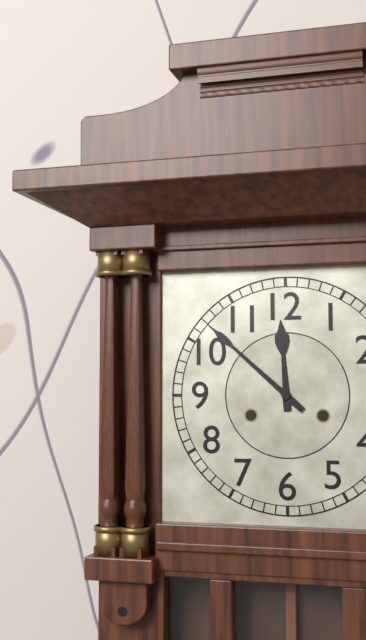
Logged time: {"hour": 11, "minute": 52}
